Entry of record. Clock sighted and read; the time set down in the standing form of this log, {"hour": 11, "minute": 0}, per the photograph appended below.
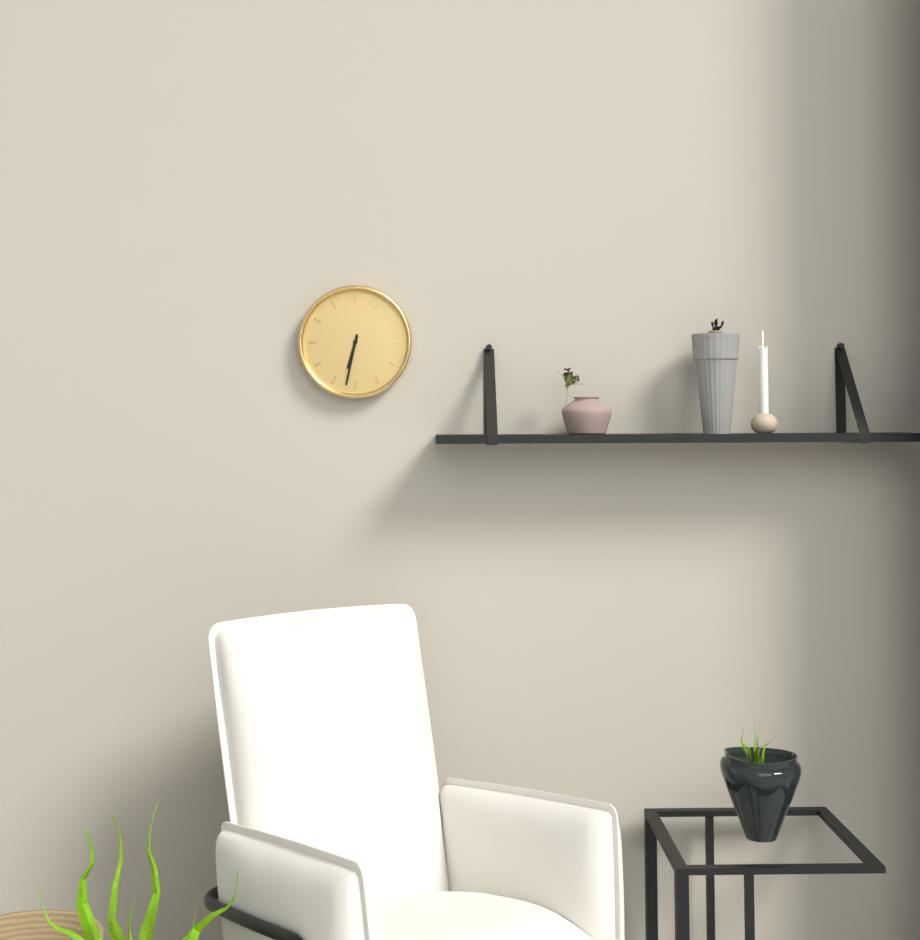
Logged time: {"hour": 6, "minute": 32}
